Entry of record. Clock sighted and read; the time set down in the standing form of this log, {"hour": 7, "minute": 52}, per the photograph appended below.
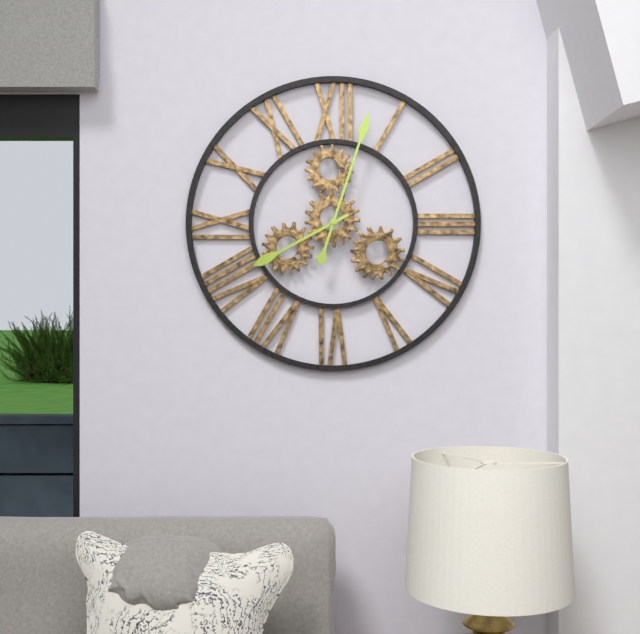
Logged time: {"hour": 8, "minute": 3}
